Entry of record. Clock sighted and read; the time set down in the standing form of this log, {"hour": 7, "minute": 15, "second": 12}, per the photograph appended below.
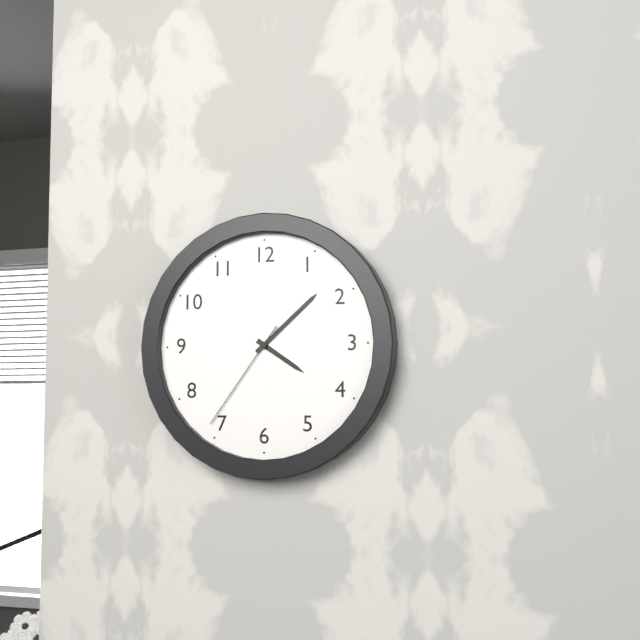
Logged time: {"hour": 4, "minute": 8, "second": 36}
